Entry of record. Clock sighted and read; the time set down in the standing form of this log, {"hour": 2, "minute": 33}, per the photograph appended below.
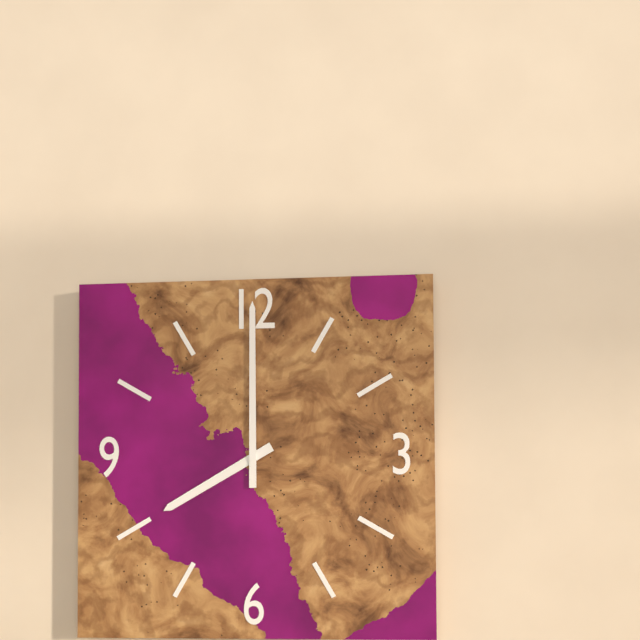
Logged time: {"hour": 8, "minute": 0}
